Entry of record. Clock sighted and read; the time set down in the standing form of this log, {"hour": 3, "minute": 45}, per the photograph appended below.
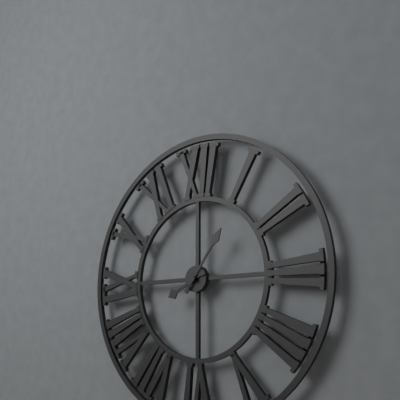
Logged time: {"hour": 8, "minute": 6}
